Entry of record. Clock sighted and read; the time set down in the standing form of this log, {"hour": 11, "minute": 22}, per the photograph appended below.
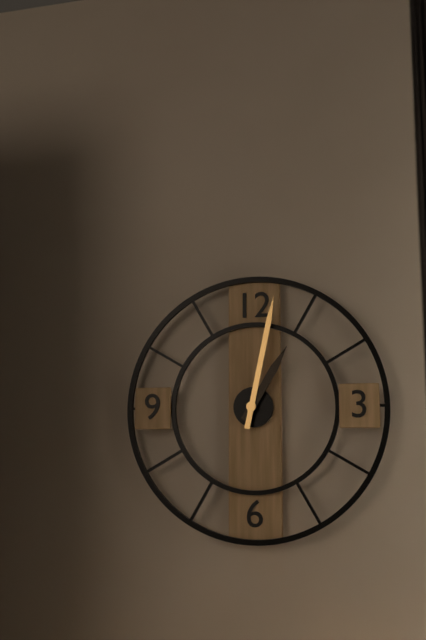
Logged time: {"hour": 1, "minute": 2}
